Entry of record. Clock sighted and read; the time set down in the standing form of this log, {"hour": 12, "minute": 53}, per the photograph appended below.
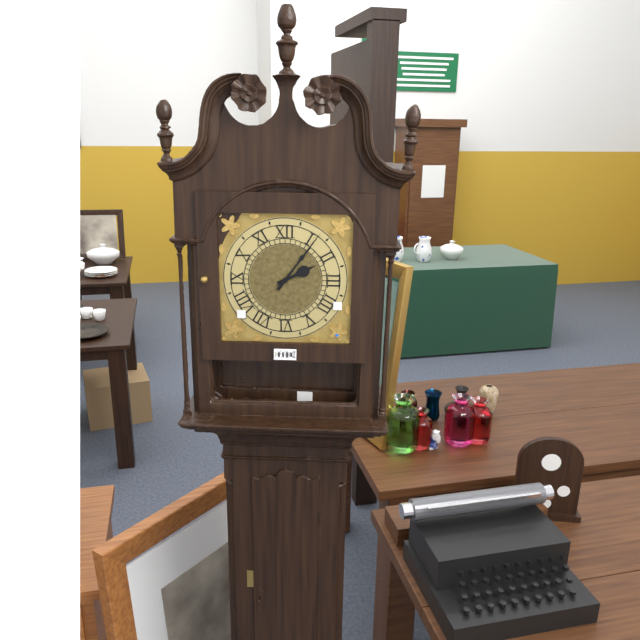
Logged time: {"hour": 2, "minute": 6}
